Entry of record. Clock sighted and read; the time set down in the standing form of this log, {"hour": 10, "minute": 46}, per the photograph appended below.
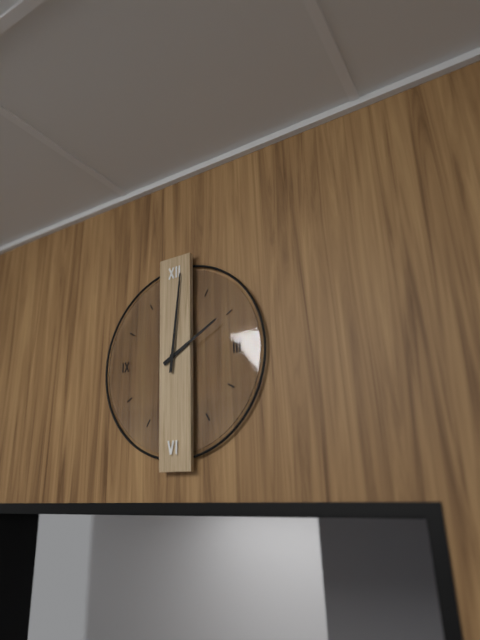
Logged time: {"hour": 2, "minute": 1}
